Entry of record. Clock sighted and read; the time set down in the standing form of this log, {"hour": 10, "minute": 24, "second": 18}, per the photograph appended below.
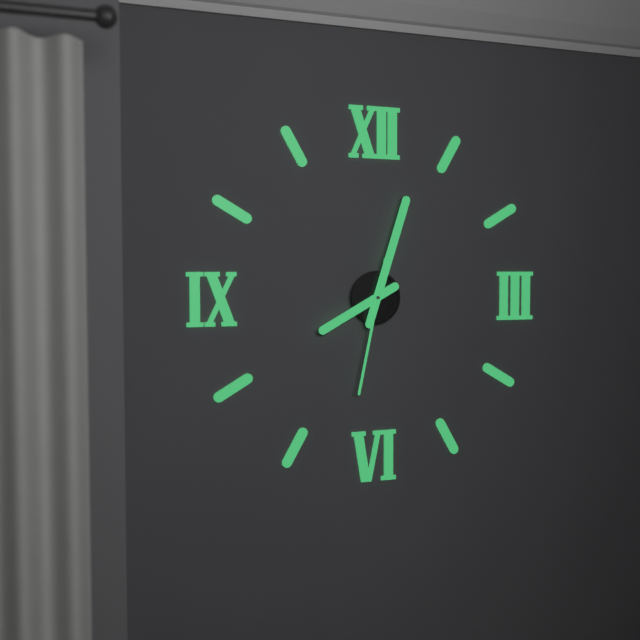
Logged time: {"hour": 8, "minute": 3, "second": 32}
